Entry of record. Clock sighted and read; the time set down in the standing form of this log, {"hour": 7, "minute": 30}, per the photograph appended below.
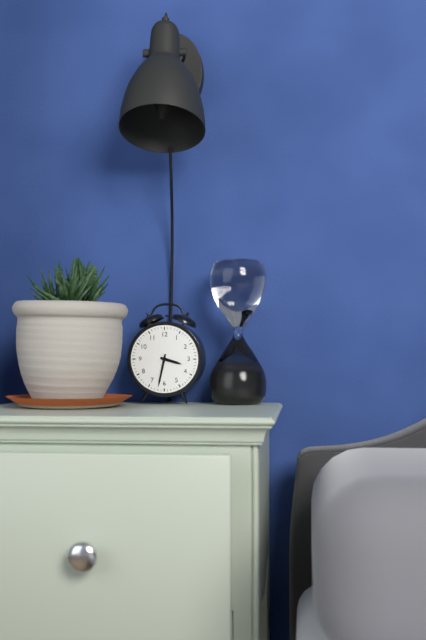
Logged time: {"hour": 3, "minute": 32}
